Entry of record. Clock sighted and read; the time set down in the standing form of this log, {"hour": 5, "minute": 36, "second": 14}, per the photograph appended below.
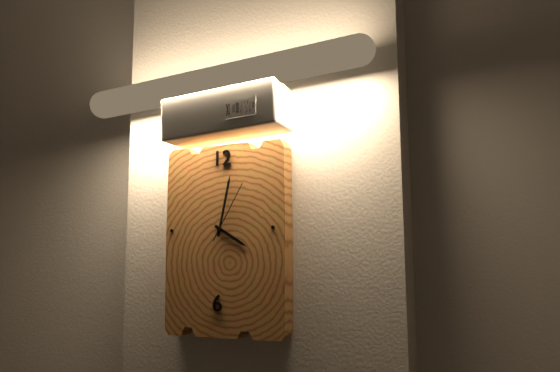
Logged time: {"hour": 4, "minute": 2, "second": 5}
